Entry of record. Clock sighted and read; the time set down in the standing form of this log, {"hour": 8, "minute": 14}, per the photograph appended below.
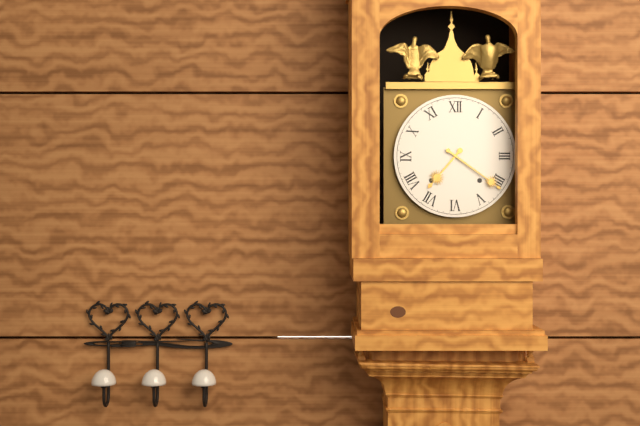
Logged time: {"hour": 7, "minute": 21}
